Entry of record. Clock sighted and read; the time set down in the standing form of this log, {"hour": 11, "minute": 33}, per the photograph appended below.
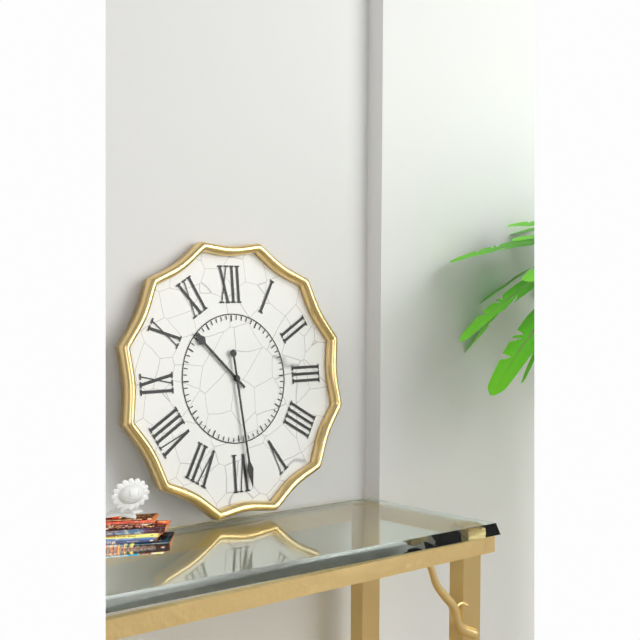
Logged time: {"hour": 10, "minute": 29}
